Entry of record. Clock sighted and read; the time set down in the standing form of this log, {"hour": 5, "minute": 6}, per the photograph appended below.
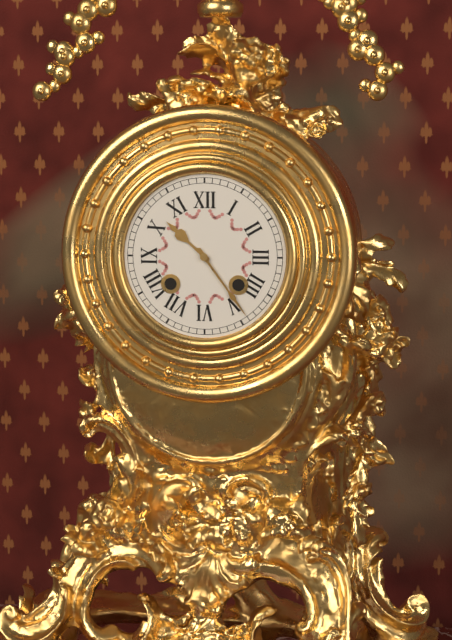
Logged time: {"hour": 10, "minute": 24}
